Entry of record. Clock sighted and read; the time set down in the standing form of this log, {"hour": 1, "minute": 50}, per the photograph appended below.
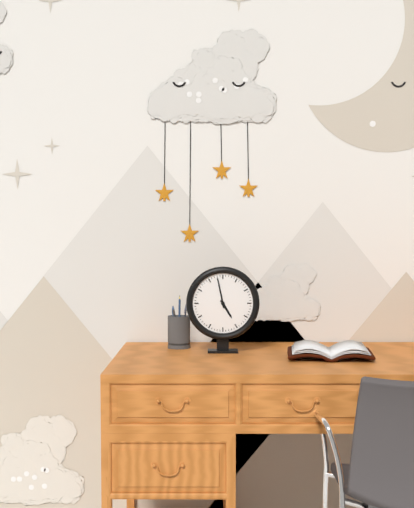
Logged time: {"hour": 4, "minute": 58}
